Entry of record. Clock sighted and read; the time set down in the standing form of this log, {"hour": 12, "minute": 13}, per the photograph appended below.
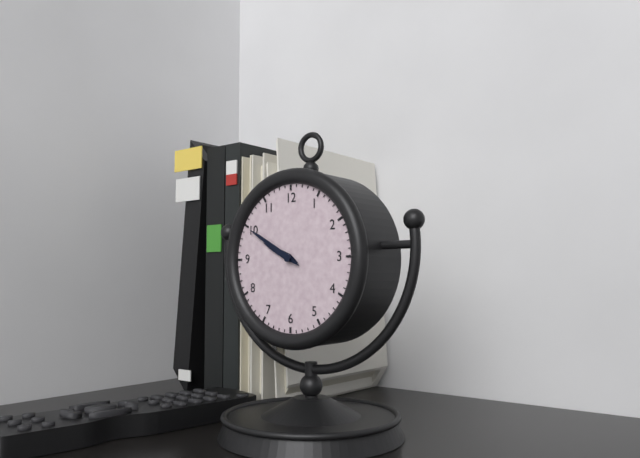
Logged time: {"hour": 9, "minute": 50}
